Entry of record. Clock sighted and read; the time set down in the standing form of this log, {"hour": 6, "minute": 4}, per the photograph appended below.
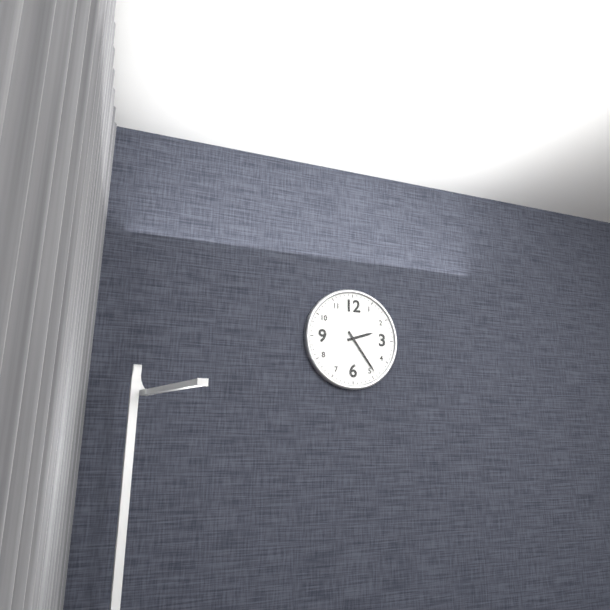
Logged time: {"hour": 2, "minute": 24}
